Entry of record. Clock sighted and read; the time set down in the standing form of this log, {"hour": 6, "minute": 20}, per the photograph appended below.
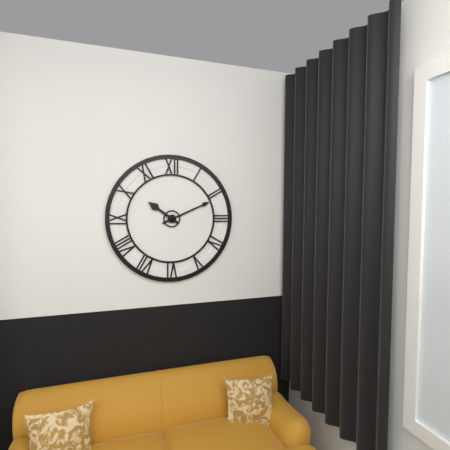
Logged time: {"hour": 10, "minute": 11}
